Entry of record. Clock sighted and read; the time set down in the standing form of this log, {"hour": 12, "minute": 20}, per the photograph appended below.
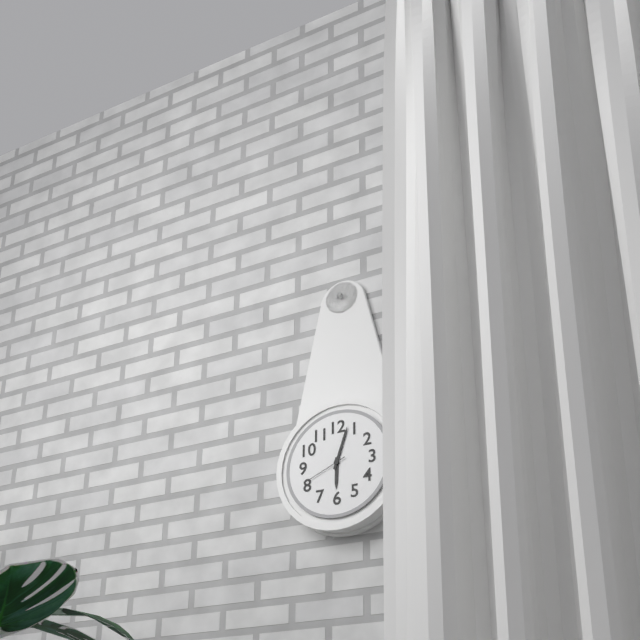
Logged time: {"hour": 6, "minute": 3}
